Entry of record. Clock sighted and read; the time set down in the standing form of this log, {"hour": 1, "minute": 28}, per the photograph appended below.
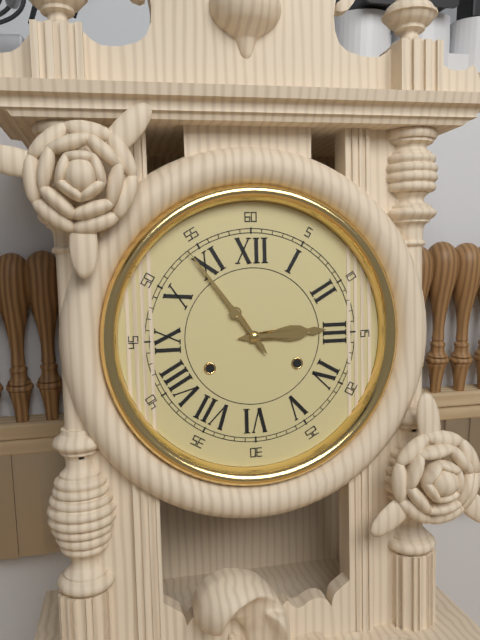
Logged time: {"hour": 2, "minute": 54}
